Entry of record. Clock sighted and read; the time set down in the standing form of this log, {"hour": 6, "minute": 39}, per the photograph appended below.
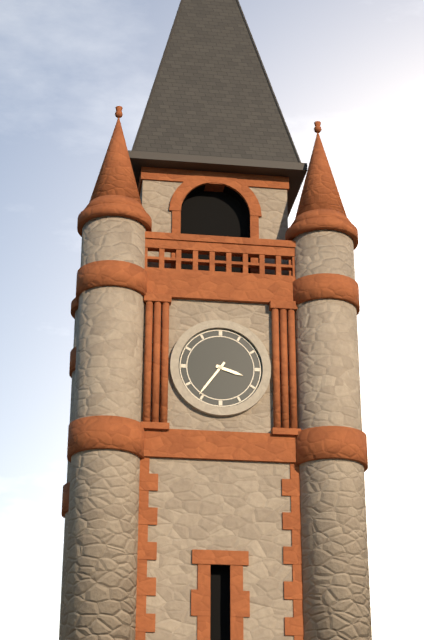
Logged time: {"hour": 3, "minute": 36}
